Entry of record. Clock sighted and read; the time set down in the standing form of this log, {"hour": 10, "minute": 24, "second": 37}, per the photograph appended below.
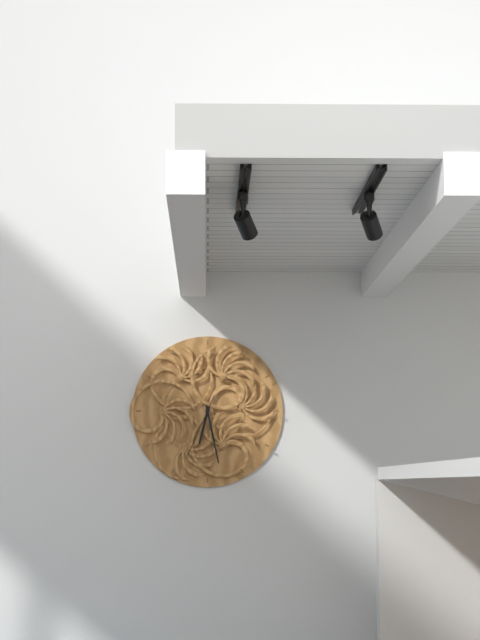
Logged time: {"hour": 6, "minute": 28, "second": 34}
